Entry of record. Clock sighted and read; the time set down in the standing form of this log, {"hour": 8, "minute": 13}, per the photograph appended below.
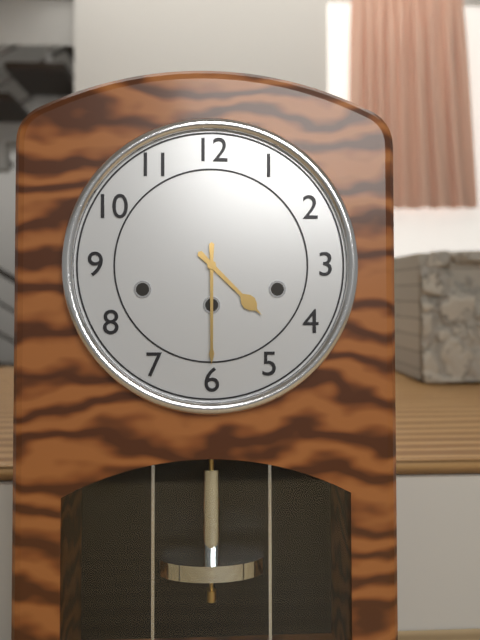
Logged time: {"hour": 4, "minute": 30}
